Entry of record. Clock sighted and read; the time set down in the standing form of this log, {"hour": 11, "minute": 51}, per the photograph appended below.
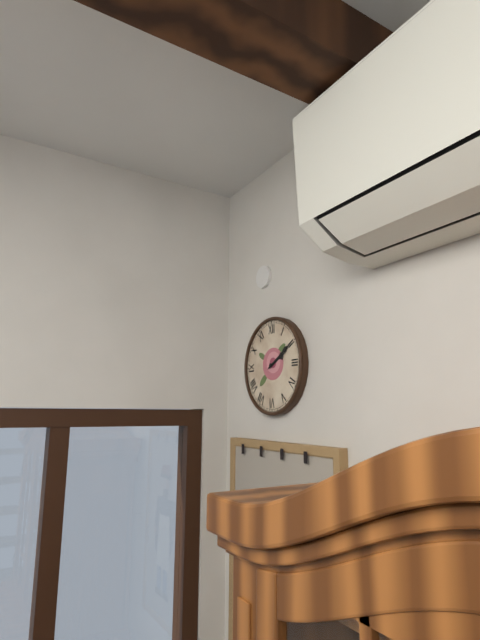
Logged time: {"hour": 2, "minute": 10}
